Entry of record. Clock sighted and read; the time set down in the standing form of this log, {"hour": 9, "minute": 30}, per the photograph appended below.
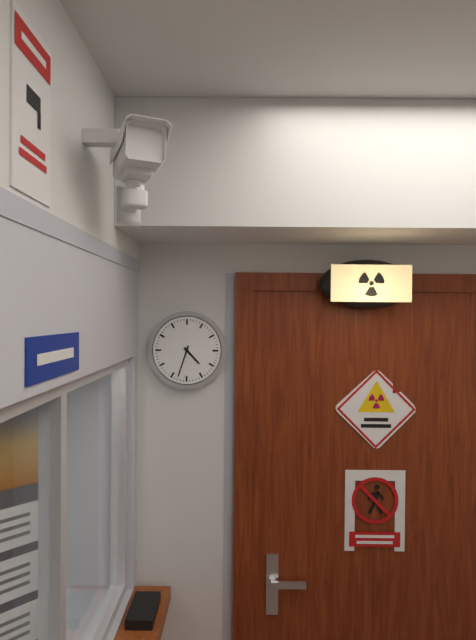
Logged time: {"hour": 4, "minute": 33}
